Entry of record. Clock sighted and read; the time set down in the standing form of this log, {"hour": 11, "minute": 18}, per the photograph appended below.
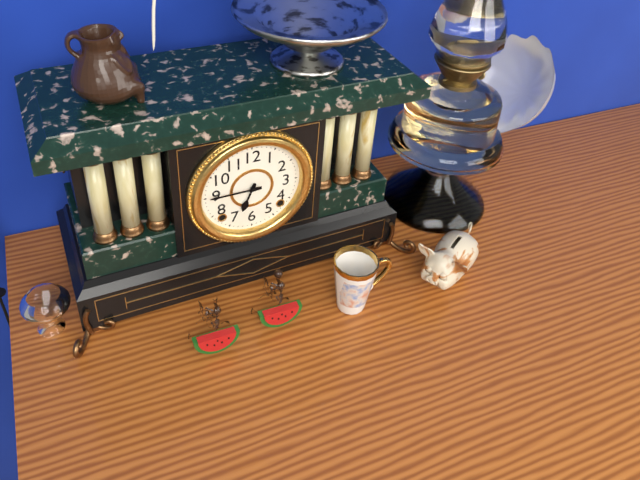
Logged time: {"hour": 6, "minute": 45}
